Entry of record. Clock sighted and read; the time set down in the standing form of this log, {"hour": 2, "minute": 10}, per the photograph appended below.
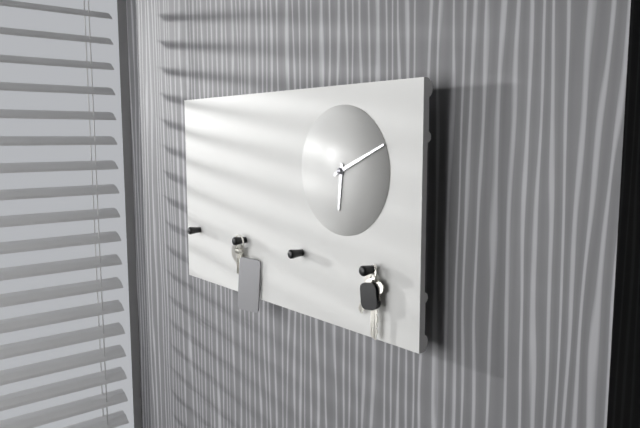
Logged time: {"hour": 6, "minute": 11}
